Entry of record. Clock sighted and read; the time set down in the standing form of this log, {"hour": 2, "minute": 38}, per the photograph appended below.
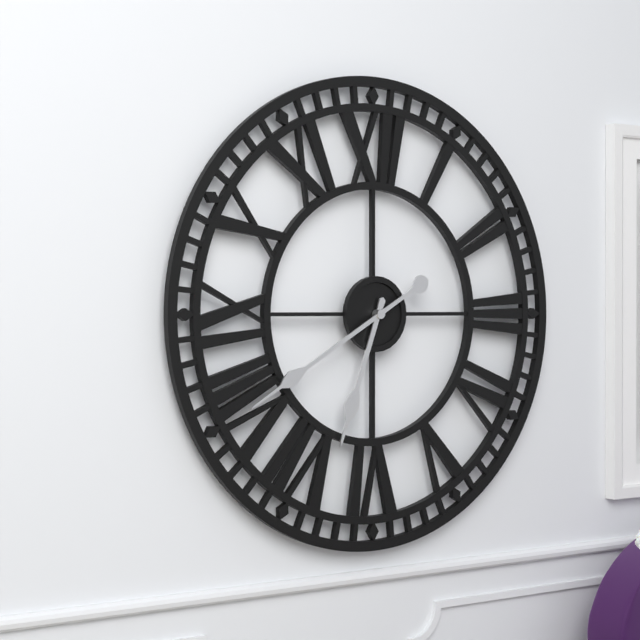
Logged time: {"hour": 6, "minute": 40}
